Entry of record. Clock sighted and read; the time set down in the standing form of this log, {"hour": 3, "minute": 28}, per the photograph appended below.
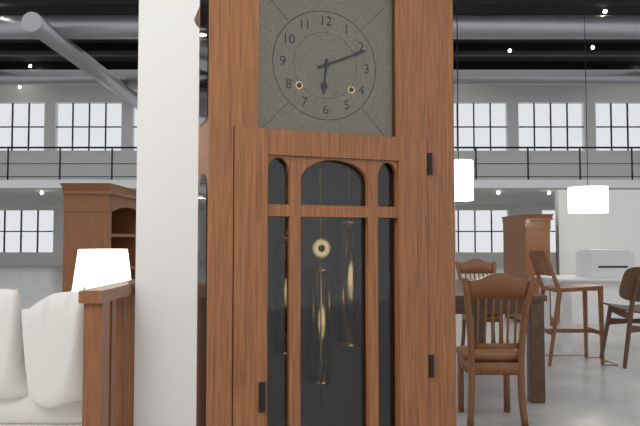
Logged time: {"hour": 6, "minute": 11}
